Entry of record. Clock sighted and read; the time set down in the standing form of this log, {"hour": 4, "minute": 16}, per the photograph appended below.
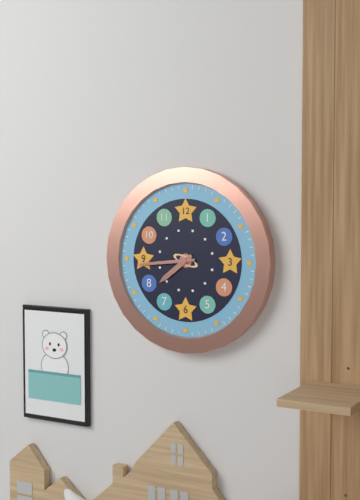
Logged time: {"hour": 7, "minute": 44}
